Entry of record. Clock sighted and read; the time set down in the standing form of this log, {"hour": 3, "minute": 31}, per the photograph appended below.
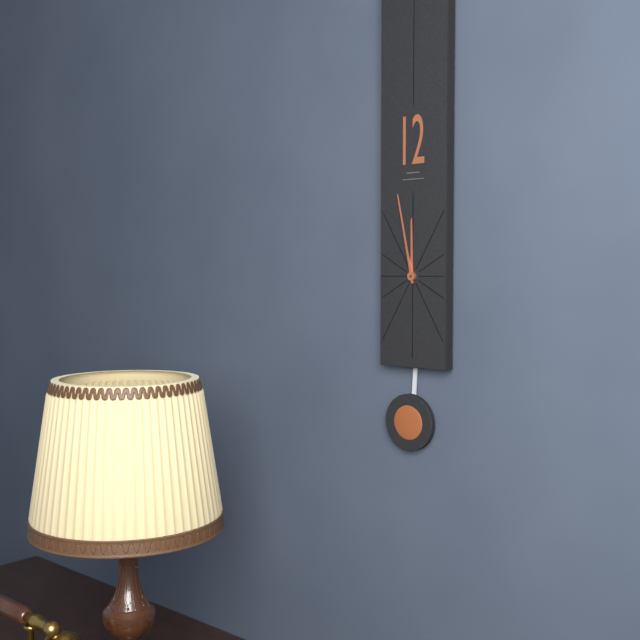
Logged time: {"hour": 11, "minute": 58}
